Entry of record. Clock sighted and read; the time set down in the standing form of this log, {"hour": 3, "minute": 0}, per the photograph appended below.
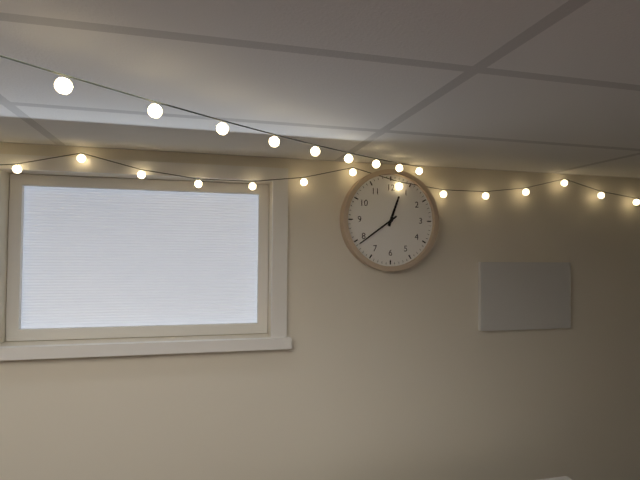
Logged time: {"hour": 12, "minute": 39}
